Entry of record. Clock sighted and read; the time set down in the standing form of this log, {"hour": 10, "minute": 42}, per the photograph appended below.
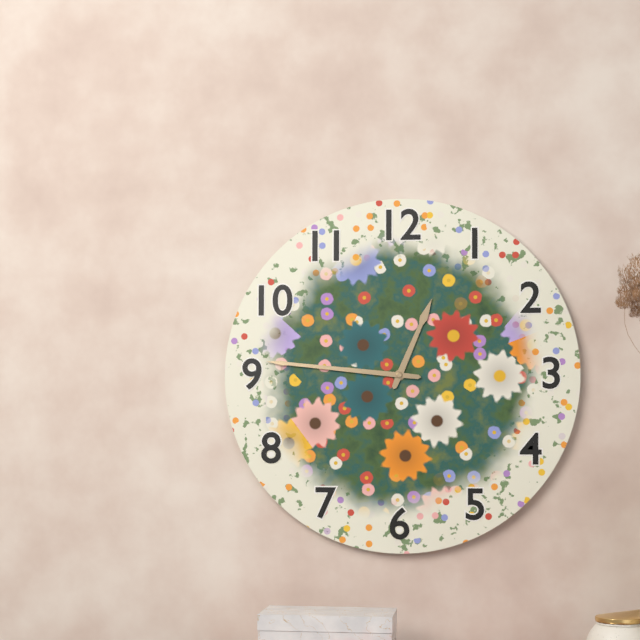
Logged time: {"hour": 12, "minute": 46}
